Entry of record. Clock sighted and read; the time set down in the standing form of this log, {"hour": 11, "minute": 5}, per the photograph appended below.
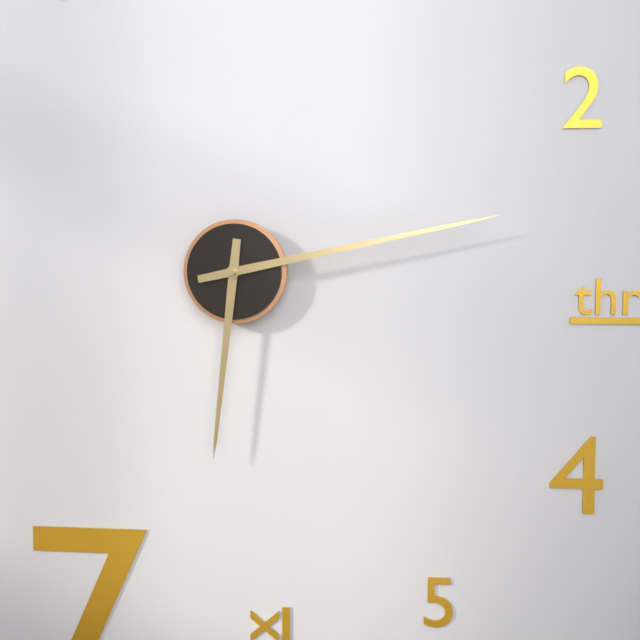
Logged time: {"hour": 6, "minute": 13}
